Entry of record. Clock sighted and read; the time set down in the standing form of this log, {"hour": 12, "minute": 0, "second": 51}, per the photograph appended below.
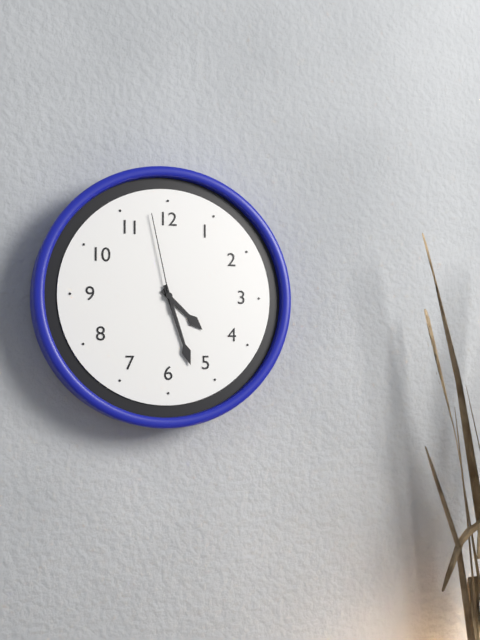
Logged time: {"hour": 4, "minute": 27, "second": 58}
